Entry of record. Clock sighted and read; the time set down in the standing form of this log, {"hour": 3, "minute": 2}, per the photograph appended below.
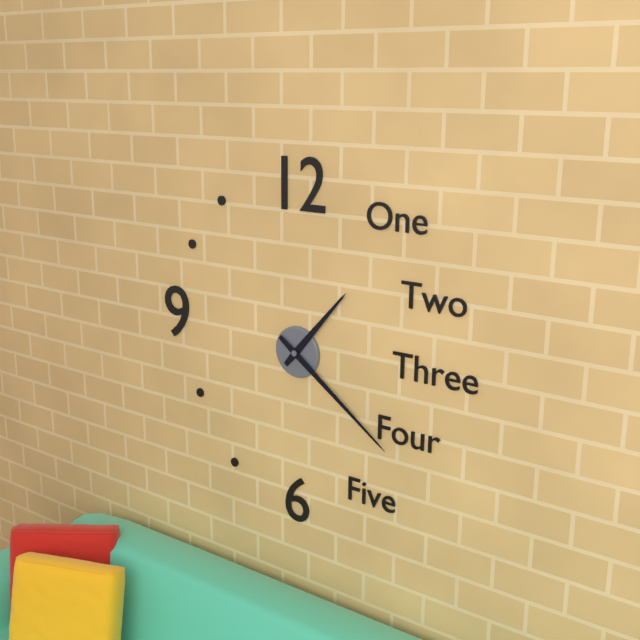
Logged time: {"hour": 1, "minute": 21}
